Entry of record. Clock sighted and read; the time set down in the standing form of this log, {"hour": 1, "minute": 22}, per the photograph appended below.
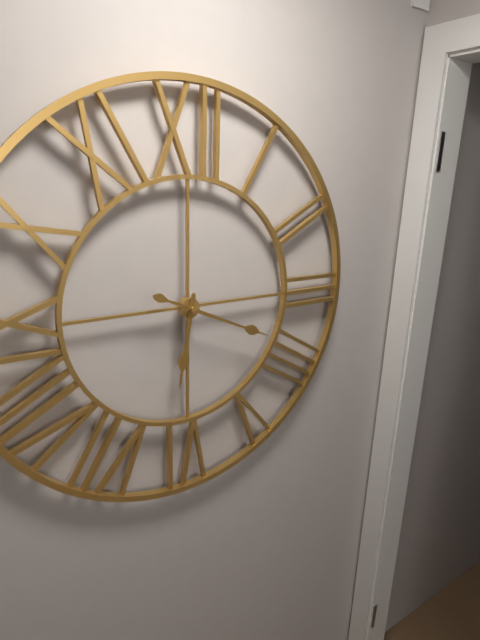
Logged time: {"hour": 6, "minute": 19}
